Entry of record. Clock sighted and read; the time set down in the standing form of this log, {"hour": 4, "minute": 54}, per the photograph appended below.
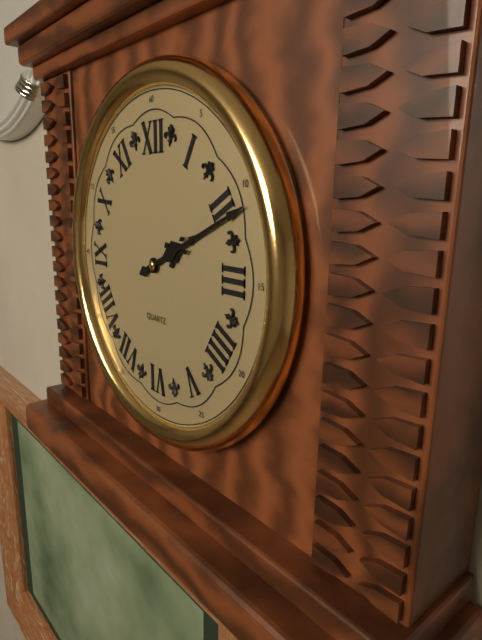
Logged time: {"hour": 2, "minute": 11}
